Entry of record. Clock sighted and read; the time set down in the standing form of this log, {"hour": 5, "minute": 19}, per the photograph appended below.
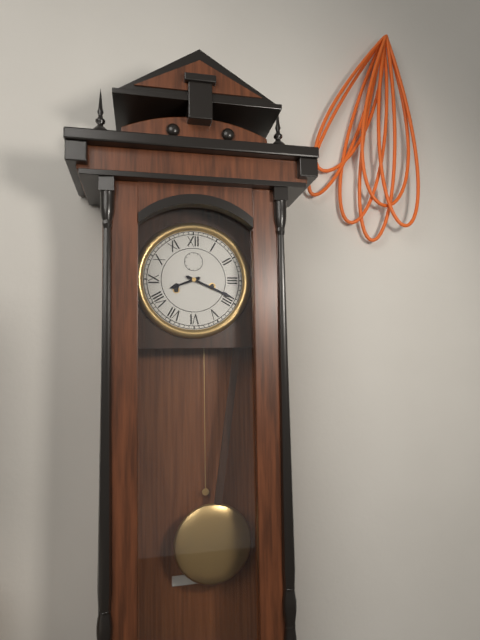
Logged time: {"hour": 8, "minute": 19}
